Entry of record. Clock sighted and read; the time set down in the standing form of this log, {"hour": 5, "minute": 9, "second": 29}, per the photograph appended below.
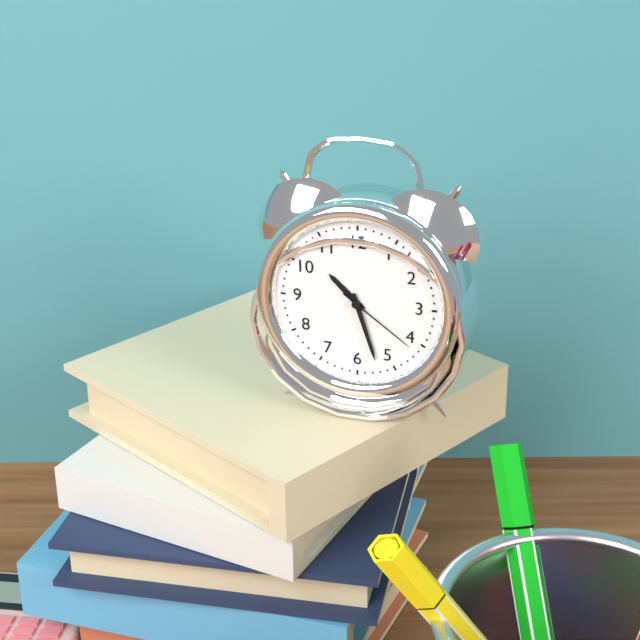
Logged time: {"hour": 10, "minute": 27, "second": 21}
